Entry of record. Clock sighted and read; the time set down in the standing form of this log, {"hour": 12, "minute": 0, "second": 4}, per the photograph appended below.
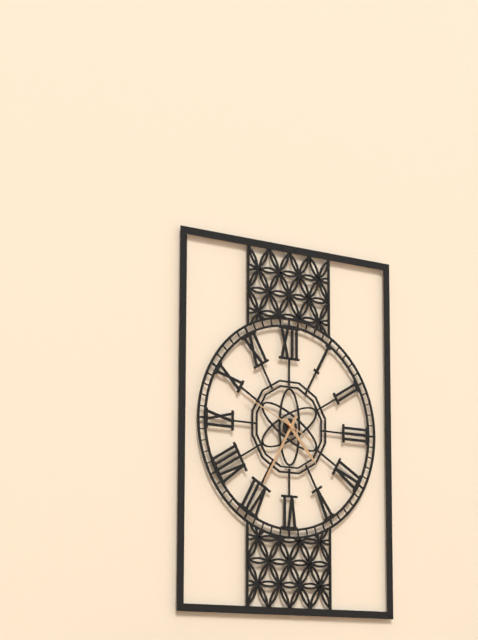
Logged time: {"hour": 4, "minute": 35, "second": 49}
